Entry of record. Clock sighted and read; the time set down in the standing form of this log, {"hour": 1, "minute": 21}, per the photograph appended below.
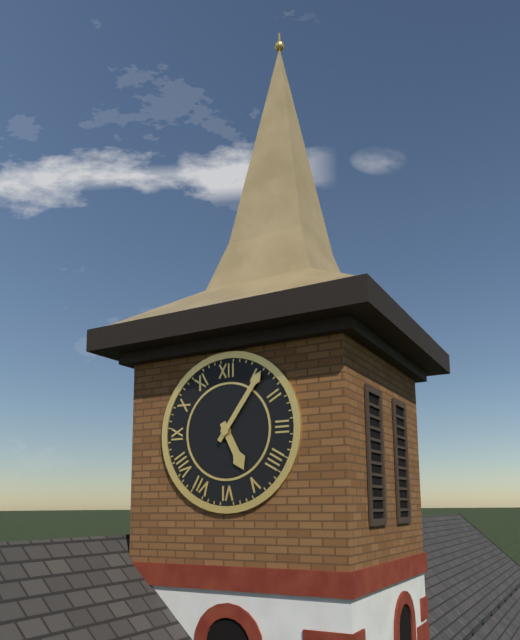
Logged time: {"hour": 5, "minute": 6}
